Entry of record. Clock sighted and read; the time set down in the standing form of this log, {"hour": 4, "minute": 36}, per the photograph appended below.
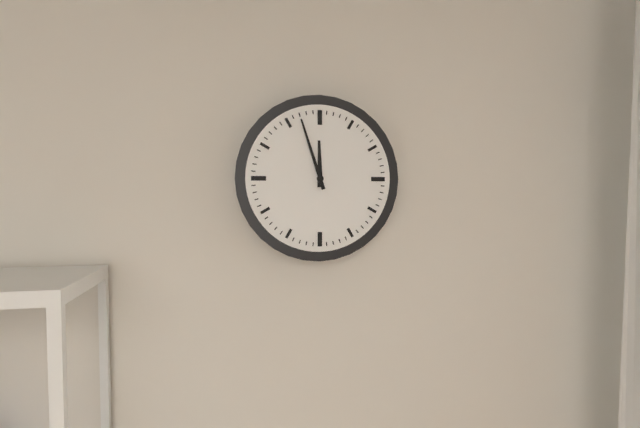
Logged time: {"hour": 11, "minute": 57}
